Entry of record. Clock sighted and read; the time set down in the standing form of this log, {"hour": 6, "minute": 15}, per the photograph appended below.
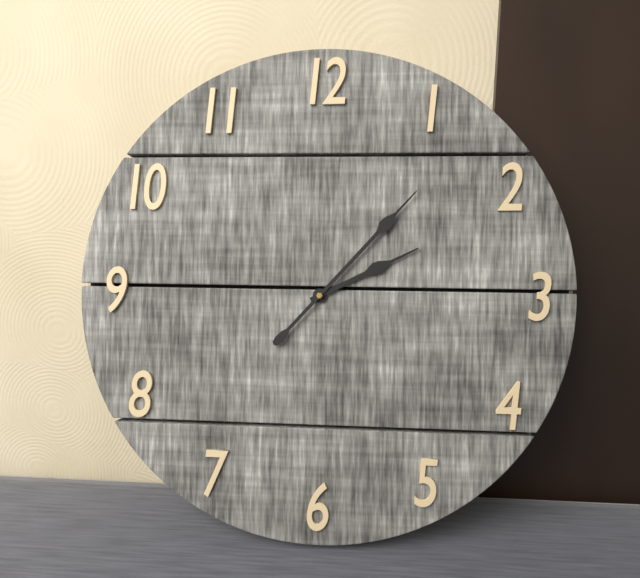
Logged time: {"hour": 2, "minute": 7}
